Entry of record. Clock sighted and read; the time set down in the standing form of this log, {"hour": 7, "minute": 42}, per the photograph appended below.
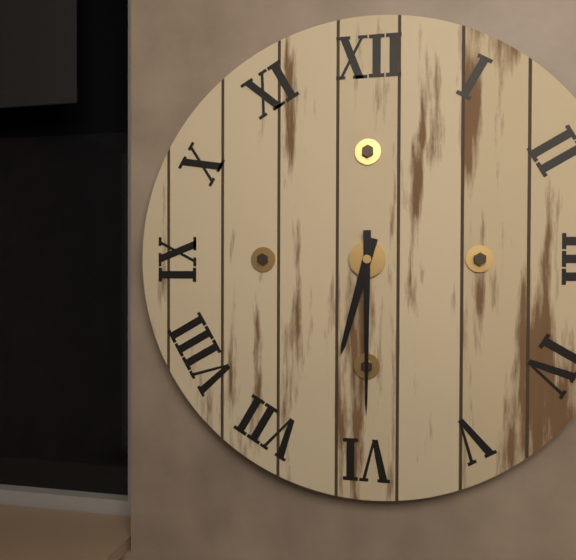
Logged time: {"hour": 6, "minute": 30}
